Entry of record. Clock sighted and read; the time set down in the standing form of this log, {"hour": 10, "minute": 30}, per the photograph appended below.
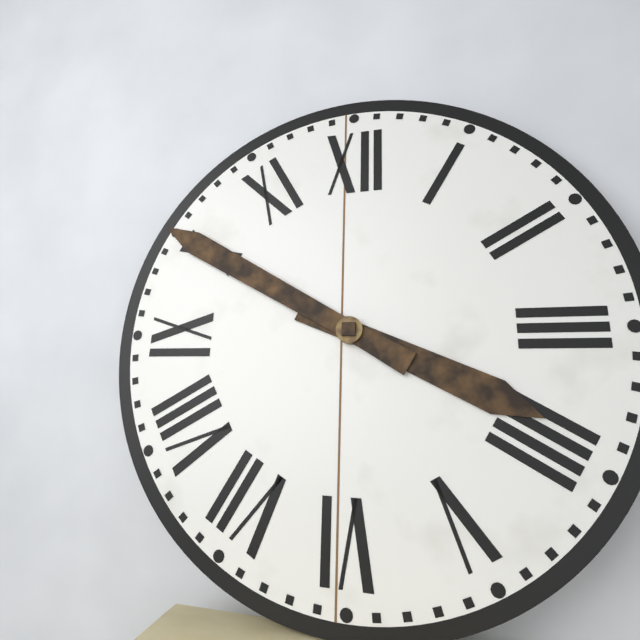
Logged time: {"hour": 3, "minute": 50}
